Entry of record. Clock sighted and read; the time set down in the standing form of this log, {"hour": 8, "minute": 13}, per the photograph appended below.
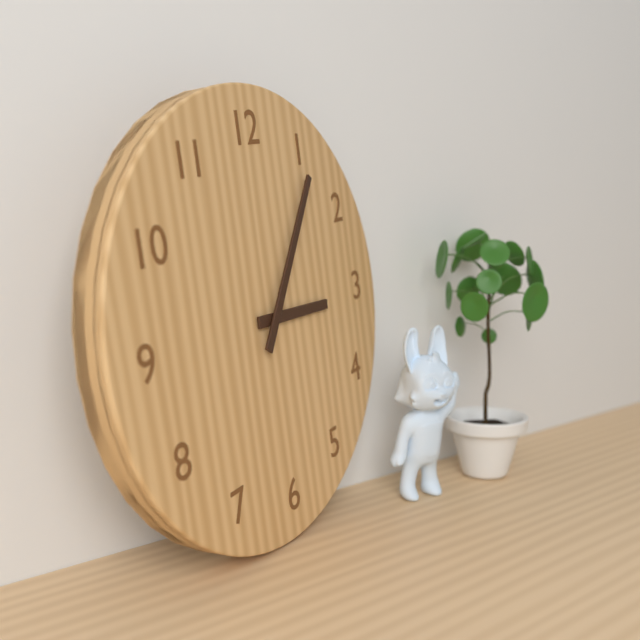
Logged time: {"hour": 3, "minute": 6}
